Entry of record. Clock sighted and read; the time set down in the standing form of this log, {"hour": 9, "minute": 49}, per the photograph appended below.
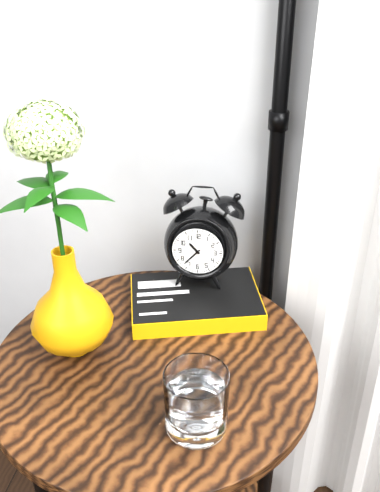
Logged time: {"hour": 10, "minute": 37}
